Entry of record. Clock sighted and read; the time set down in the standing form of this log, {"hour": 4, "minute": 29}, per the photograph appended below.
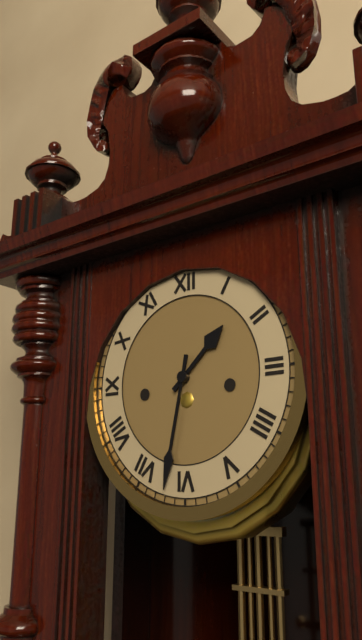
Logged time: {"hour": 1, "minute": 32}
